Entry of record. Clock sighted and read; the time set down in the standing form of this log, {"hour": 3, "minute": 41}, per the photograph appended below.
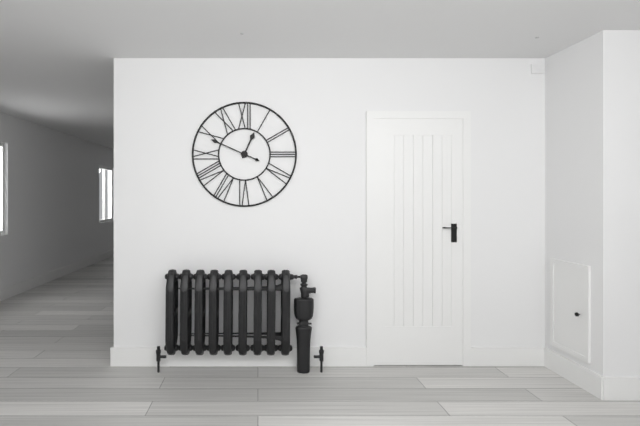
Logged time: {"hour": 12, "minute": 49}
